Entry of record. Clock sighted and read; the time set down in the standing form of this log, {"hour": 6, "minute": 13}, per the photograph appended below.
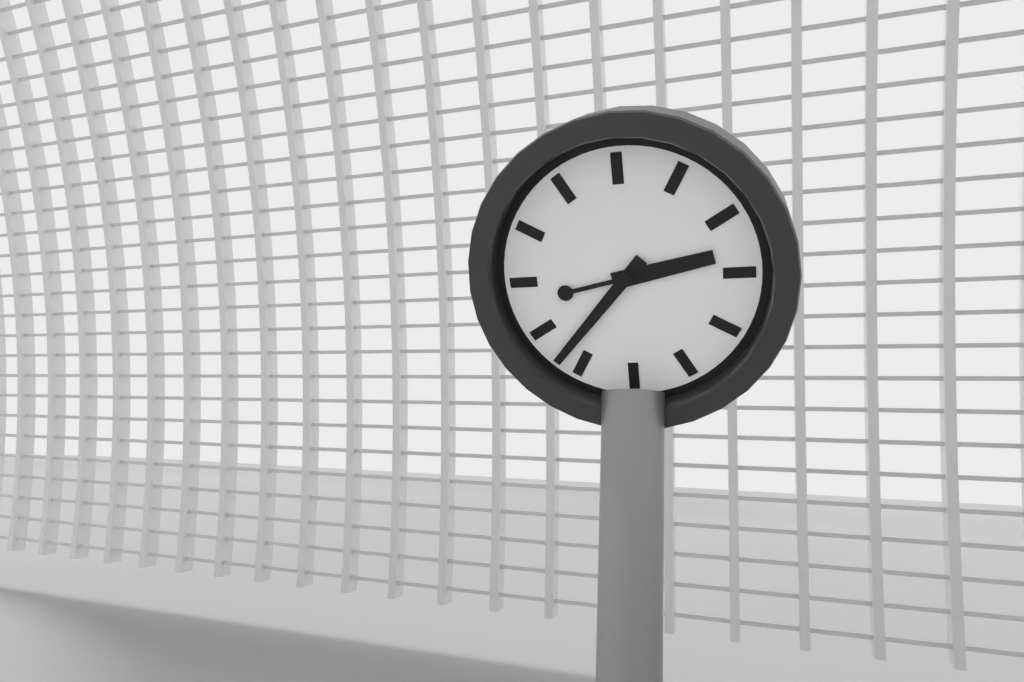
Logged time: {"hour": 2, "minute": 37}
